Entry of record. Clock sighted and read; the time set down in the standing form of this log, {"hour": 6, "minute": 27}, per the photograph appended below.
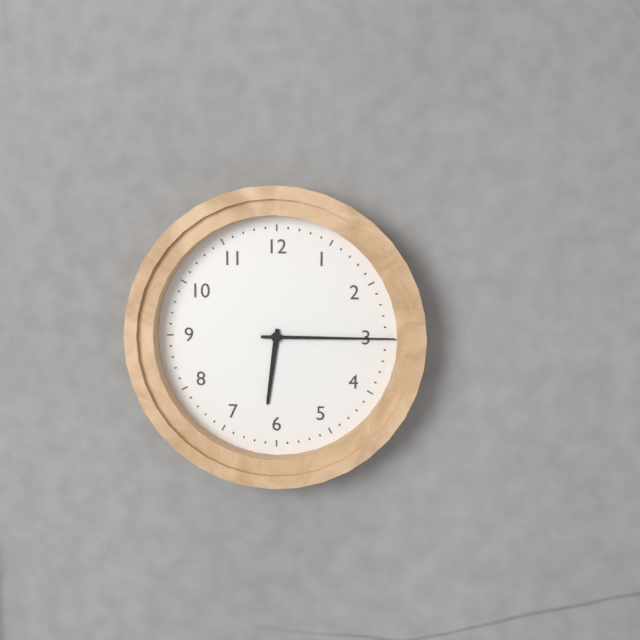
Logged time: {"hour": 6, "minute": 15}
